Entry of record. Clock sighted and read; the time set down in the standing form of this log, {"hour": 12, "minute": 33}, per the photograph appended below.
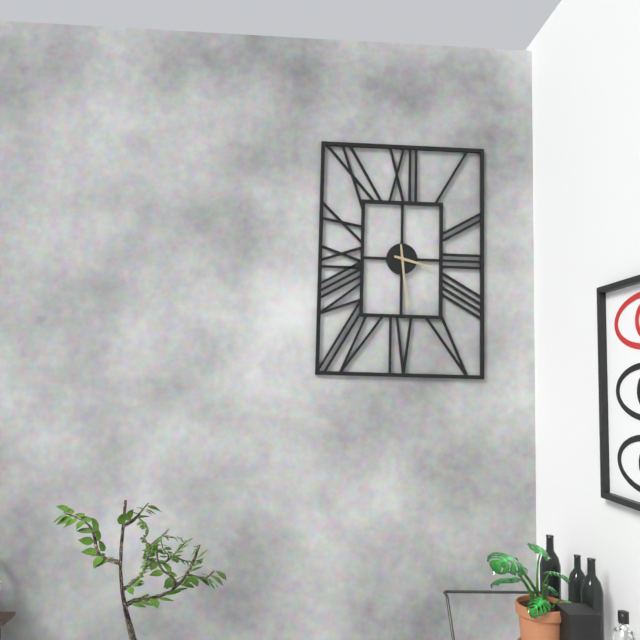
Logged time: {"hour": 3, "minute": 29}
